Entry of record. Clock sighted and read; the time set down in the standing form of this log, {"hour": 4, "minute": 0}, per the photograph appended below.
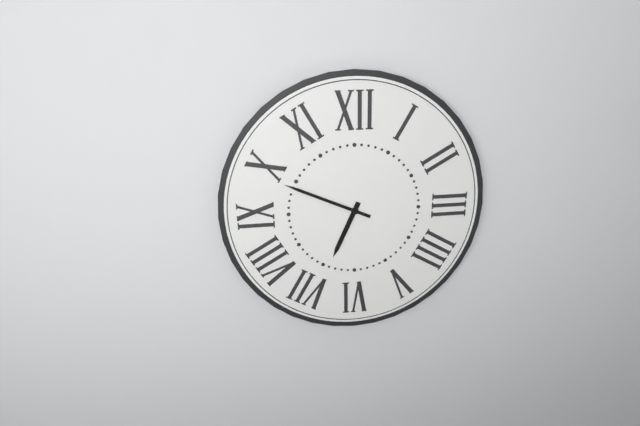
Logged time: {"hour": 6, "minute": 49}
